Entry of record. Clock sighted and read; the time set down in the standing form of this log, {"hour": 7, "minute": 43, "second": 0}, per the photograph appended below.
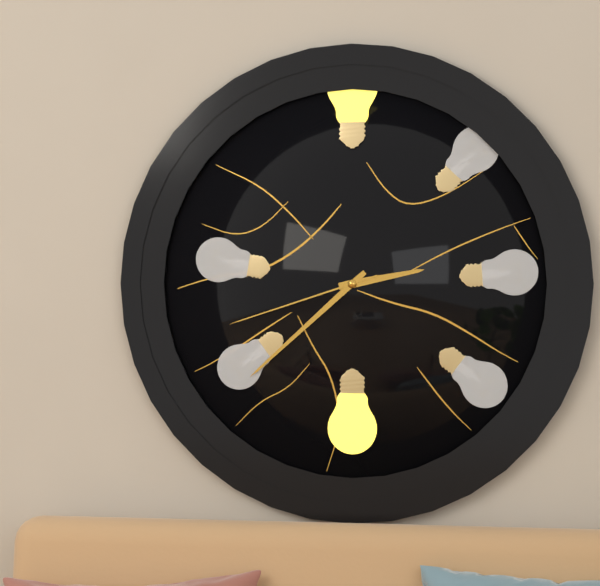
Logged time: {"hour": 2, "minute": 38, "second": 42}
